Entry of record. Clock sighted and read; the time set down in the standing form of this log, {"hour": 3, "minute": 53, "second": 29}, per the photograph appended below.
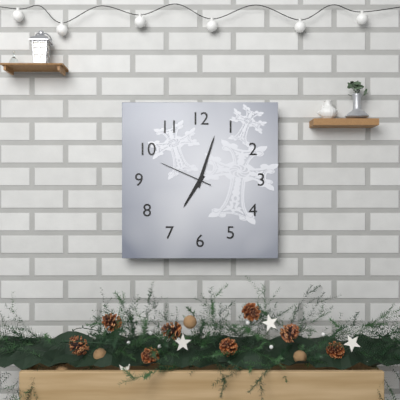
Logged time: {"hour": 7, "minute": 3, "second": 49}
